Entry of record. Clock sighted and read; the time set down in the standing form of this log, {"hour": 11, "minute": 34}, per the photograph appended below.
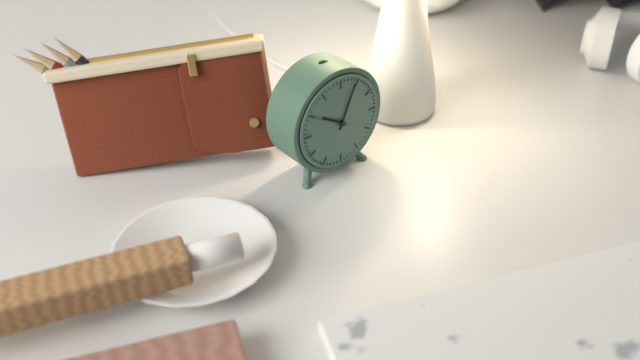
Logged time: {"hour": 10, "minute": 4}
